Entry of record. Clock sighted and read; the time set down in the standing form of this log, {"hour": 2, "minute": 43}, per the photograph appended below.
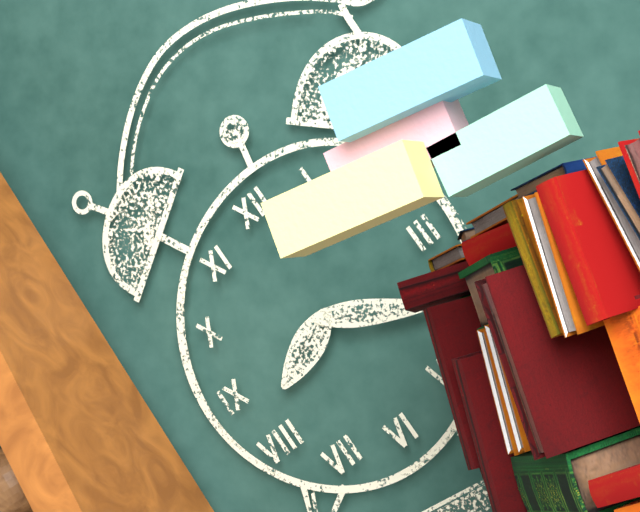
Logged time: {"hour": 8, "minute": 20}
